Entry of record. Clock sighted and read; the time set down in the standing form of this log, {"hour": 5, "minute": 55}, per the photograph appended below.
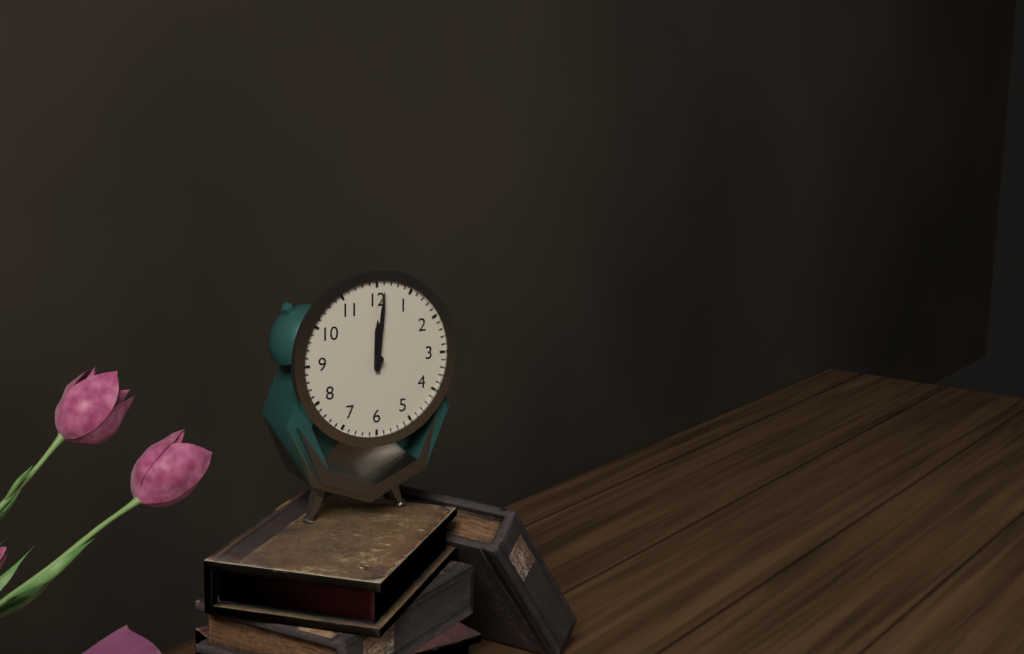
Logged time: {"hour": 12, "minute": 1}
